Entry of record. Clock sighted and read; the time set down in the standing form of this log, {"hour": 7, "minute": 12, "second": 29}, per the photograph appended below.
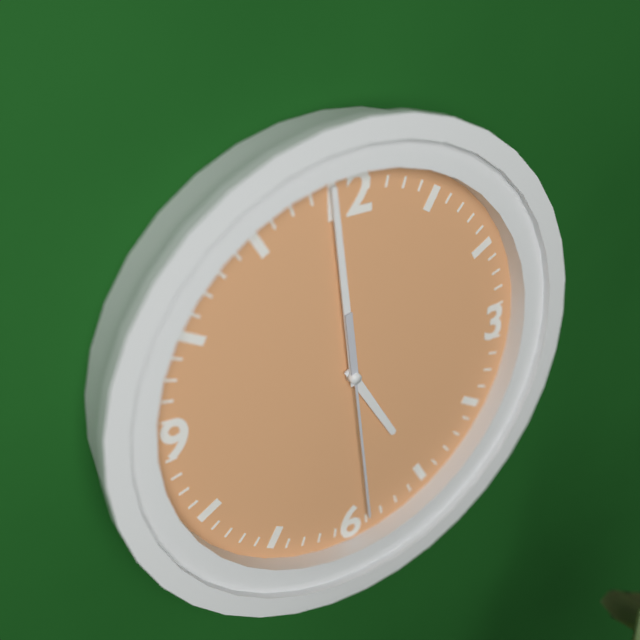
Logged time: {"hour": 4, "minute": 59, "second": 29}
